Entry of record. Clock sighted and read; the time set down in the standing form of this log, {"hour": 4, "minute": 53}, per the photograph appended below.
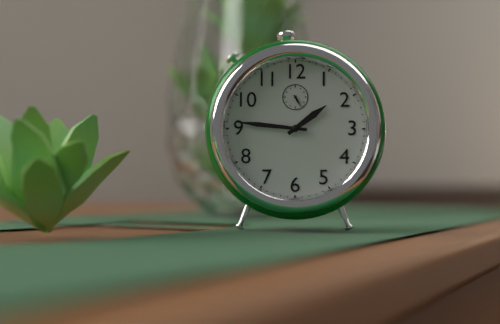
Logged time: {"hour": 1, "minute": 46}
